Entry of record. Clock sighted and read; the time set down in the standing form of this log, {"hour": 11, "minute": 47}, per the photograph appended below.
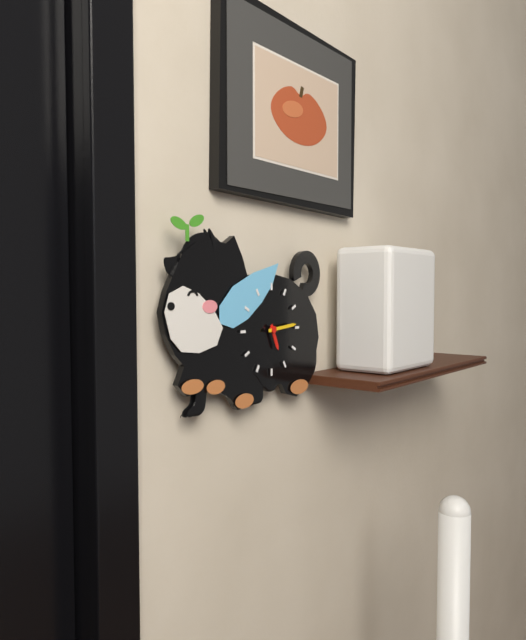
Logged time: {"hour": 5, "minute": 14}
